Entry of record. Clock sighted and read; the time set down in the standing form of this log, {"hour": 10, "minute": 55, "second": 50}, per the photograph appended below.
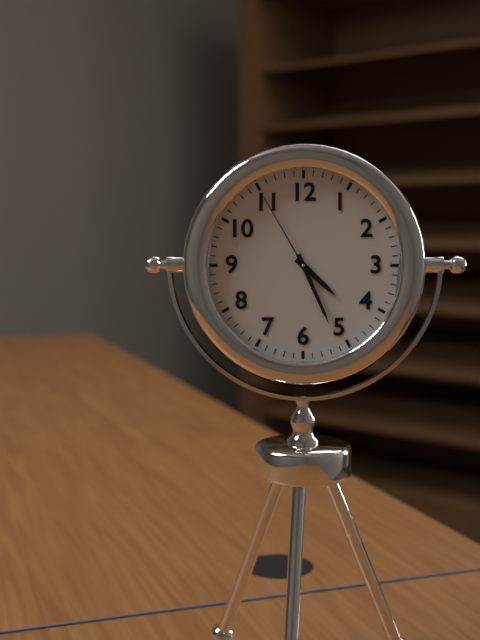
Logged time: {"hour": 4, "minute": 26, "second": 55}
